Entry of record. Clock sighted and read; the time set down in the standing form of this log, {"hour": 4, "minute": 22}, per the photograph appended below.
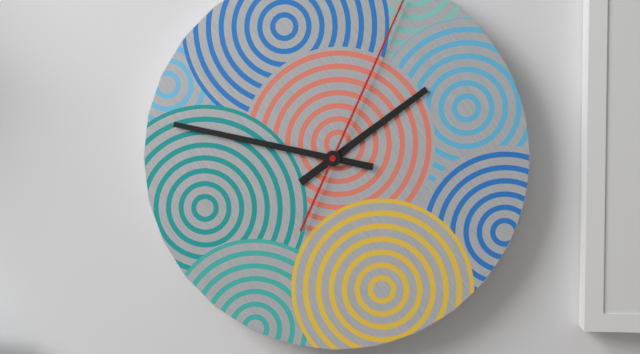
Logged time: {"hour": 1, "minute": 47}
